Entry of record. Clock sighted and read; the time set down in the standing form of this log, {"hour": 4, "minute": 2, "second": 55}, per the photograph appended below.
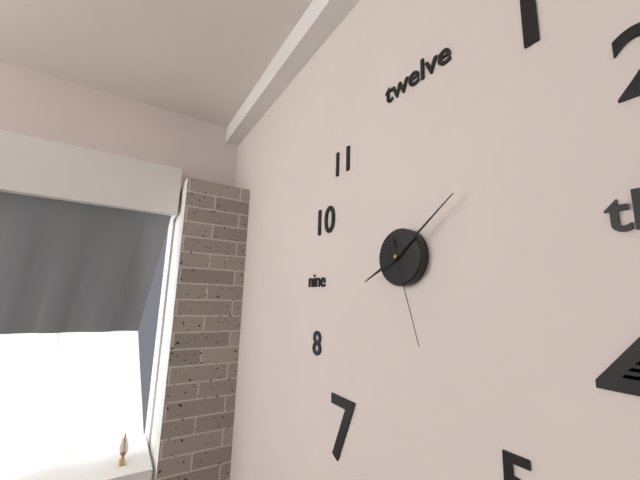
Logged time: {"hour": 8, "minute": 9, "second": 27}
